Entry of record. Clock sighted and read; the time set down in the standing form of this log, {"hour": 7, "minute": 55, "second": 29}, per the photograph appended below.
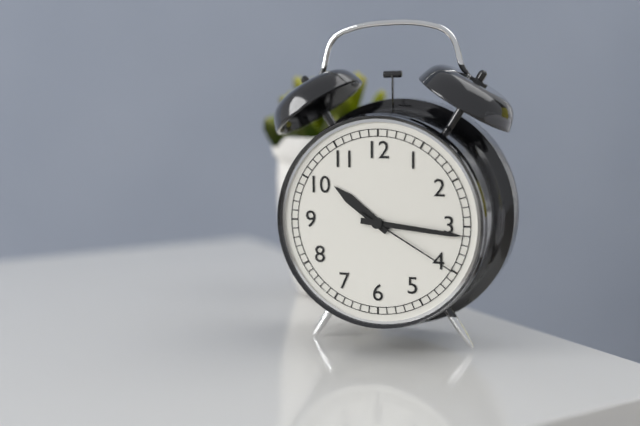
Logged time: {"hour": 10, "minute": 16, "second": 20}
